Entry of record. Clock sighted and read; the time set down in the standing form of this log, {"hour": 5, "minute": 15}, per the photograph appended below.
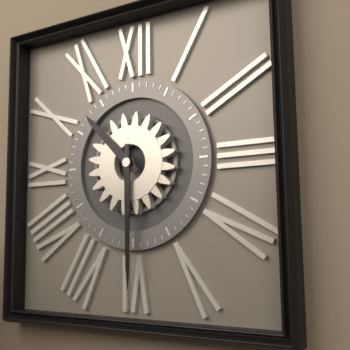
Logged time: {"hour": 10, "minute": 30}
